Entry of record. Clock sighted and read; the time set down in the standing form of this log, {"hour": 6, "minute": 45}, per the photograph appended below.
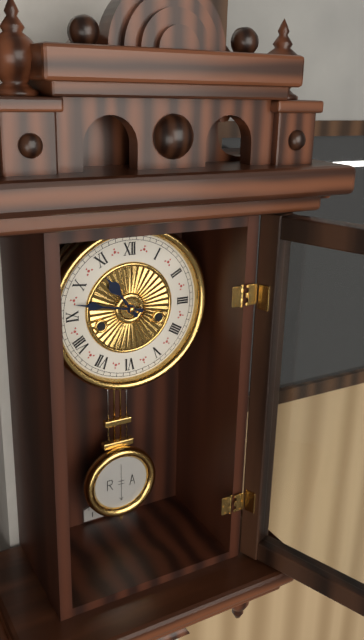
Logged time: {"hour": 10, "minute": 47}
